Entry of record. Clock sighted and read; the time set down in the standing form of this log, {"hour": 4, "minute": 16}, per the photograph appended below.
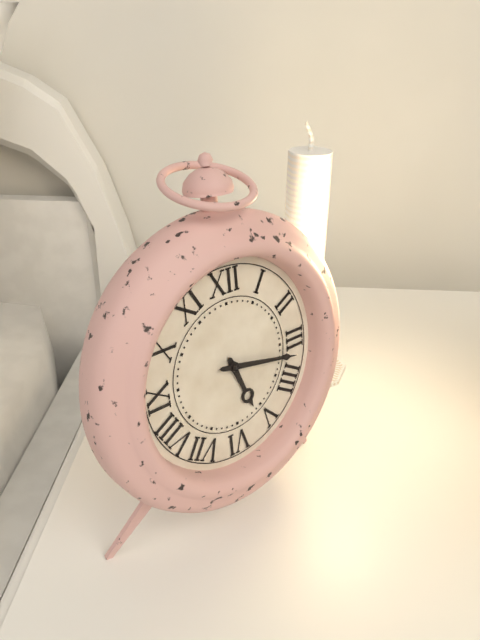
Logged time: {"hour": 5, "minute": 17}
